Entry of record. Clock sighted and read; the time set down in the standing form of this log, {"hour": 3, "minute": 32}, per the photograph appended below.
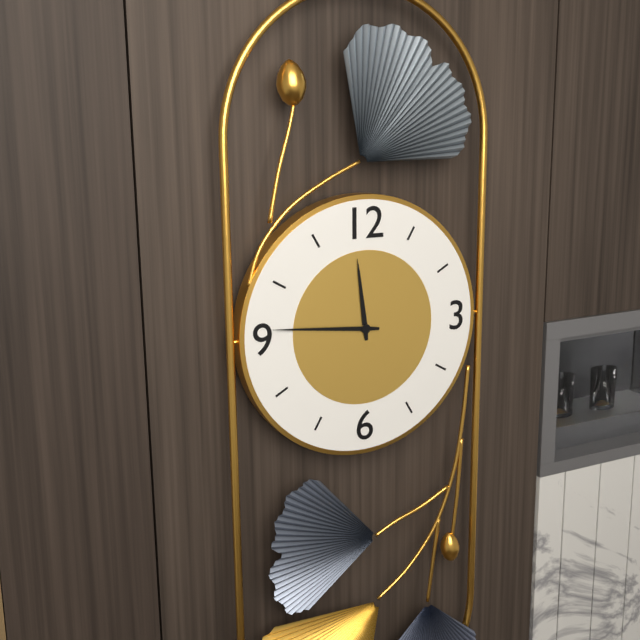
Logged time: {"hour": 11, "minute": 46}
